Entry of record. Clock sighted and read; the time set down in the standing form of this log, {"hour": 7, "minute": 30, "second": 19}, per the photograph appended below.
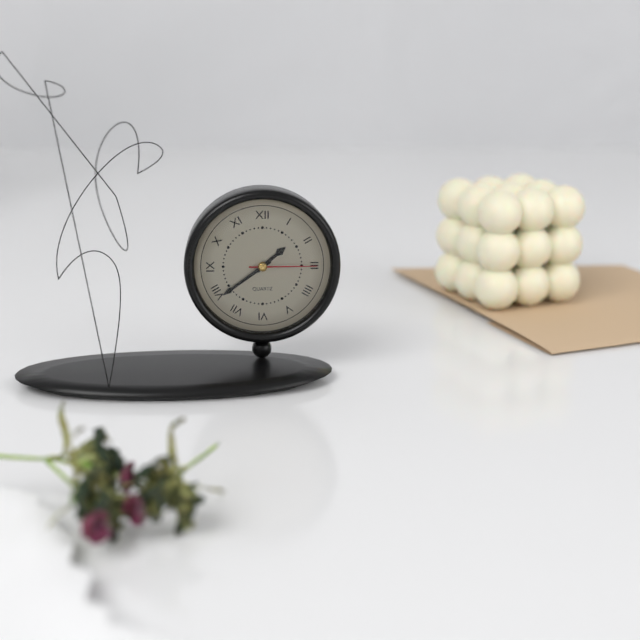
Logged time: {"hour": 1, "minute": 39, "second": 15}
